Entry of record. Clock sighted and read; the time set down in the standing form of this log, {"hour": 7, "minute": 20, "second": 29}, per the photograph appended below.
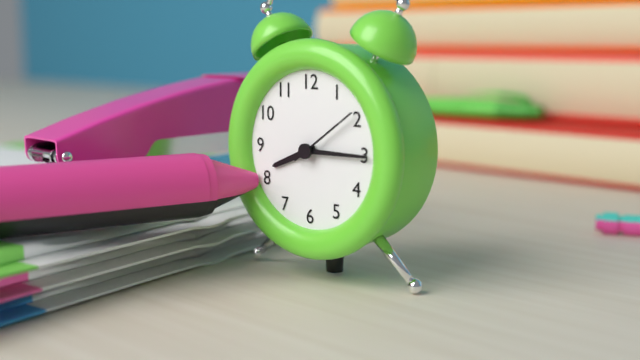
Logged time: {"hour": 8, "minute": 15, "second": 9}
